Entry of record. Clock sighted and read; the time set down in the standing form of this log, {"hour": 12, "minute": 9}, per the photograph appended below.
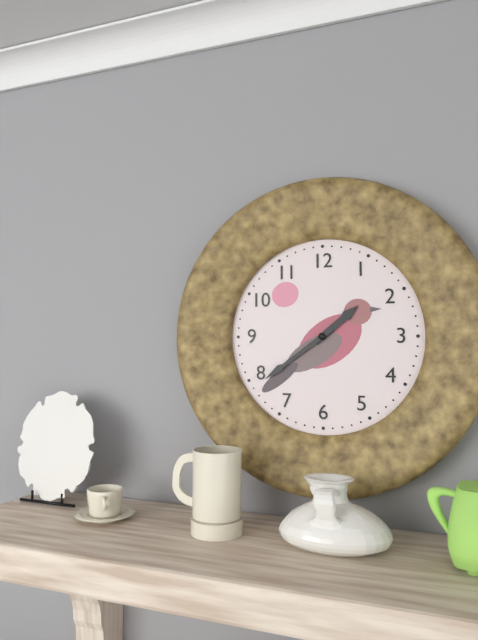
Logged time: {"hour": 1, "minute": 39}
